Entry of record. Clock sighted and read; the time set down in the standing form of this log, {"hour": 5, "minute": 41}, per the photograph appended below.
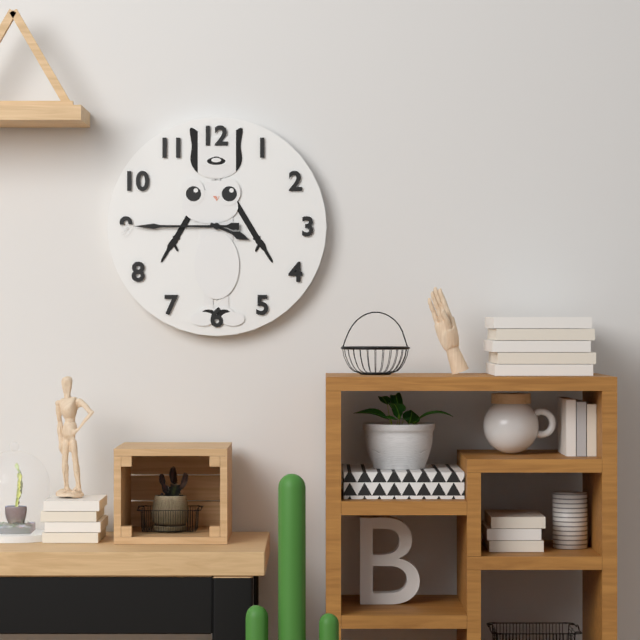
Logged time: {"hour": 3, "minute": 45}
